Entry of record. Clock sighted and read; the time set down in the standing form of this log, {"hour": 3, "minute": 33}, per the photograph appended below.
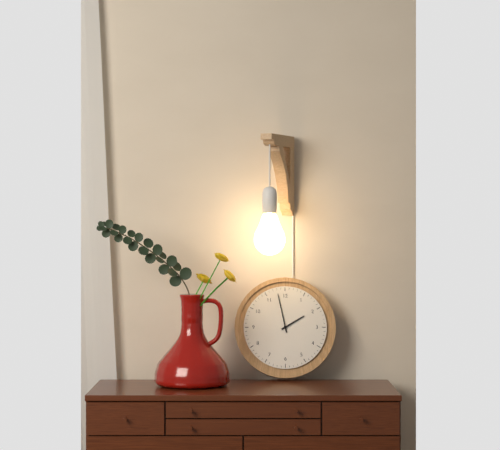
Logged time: {"hour": 1, "minute": 58}
